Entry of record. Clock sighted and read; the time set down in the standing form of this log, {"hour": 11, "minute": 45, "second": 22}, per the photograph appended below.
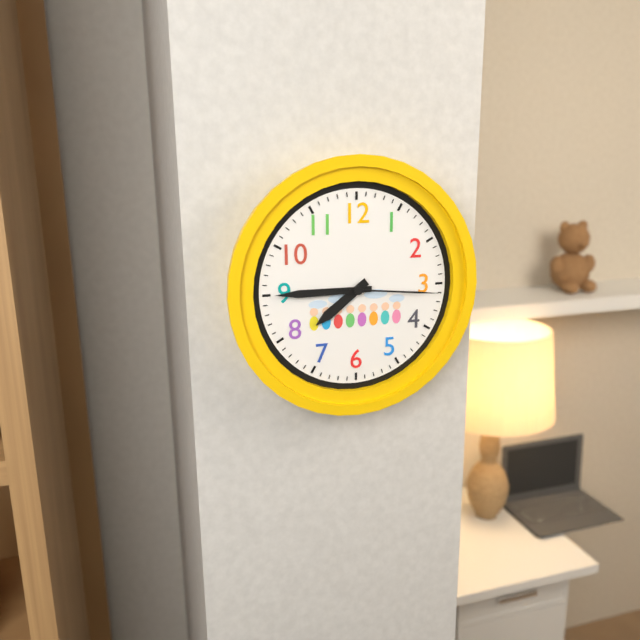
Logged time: {"hour": 7, "minute": 45, "second": 16}
